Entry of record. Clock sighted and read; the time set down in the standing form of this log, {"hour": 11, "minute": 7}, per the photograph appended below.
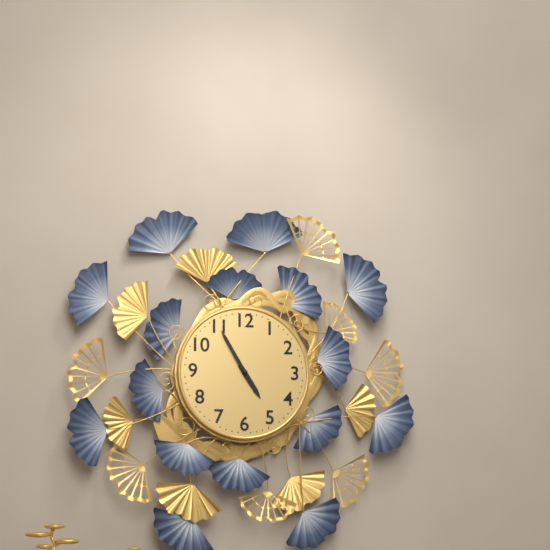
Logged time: {"hour": 4, "minute": 55}
